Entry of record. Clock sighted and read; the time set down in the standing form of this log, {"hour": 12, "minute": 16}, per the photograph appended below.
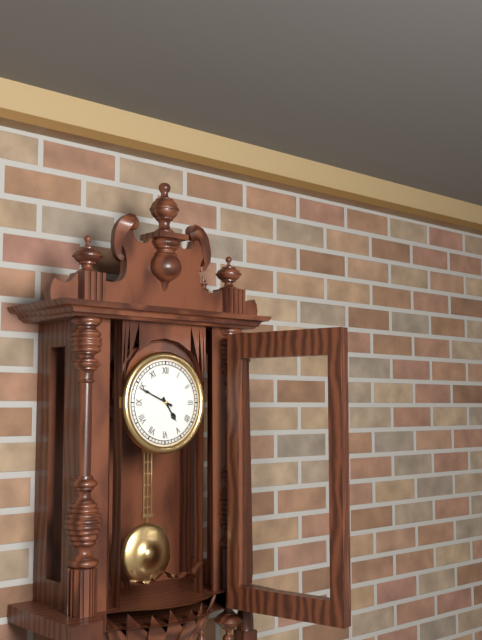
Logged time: {"hour": 4, "minute": 49}
